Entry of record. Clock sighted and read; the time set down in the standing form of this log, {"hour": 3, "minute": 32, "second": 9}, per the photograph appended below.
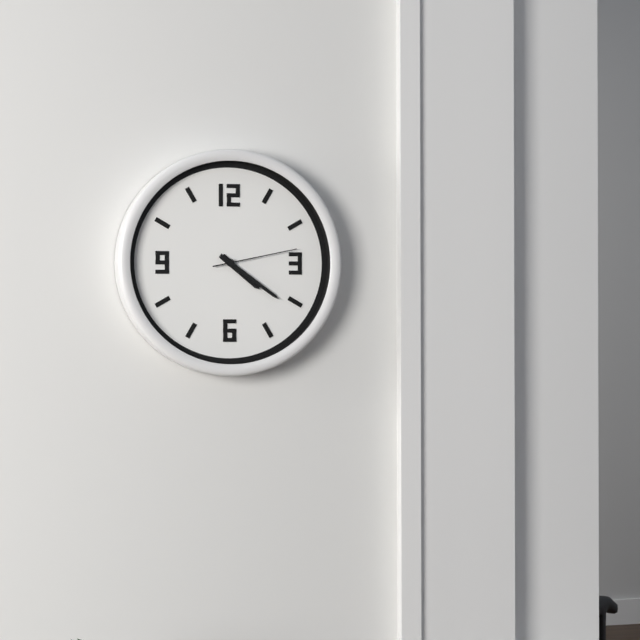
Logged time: {"hour": 4, "minute": 21, "second": 13}
